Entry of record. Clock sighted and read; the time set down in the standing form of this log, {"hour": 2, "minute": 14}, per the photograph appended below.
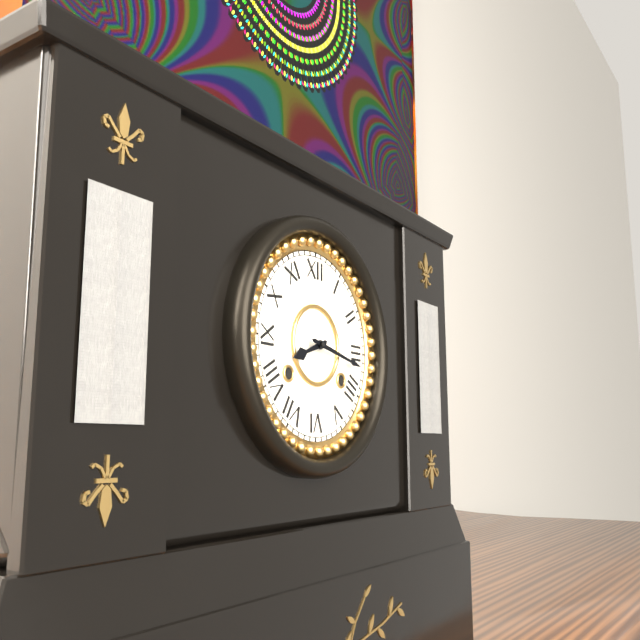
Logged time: {"hour": 8, "minute": 17}
